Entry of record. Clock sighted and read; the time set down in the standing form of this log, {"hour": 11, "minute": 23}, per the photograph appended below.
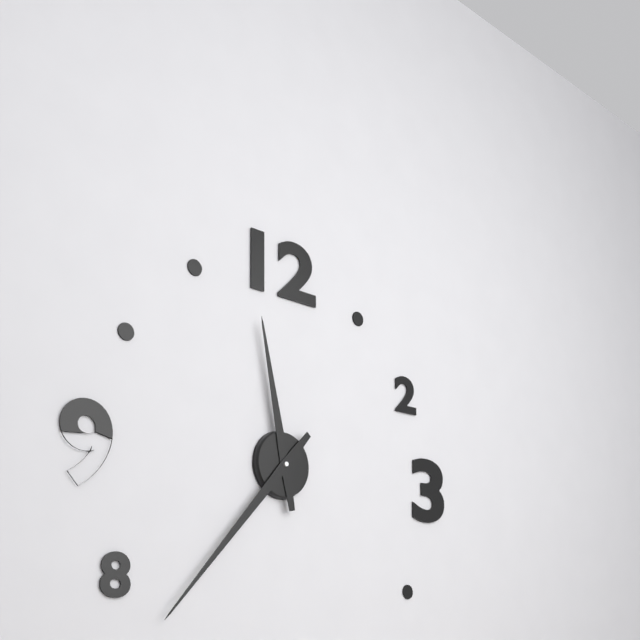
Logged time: {"hour": 11, "minute": 37}
